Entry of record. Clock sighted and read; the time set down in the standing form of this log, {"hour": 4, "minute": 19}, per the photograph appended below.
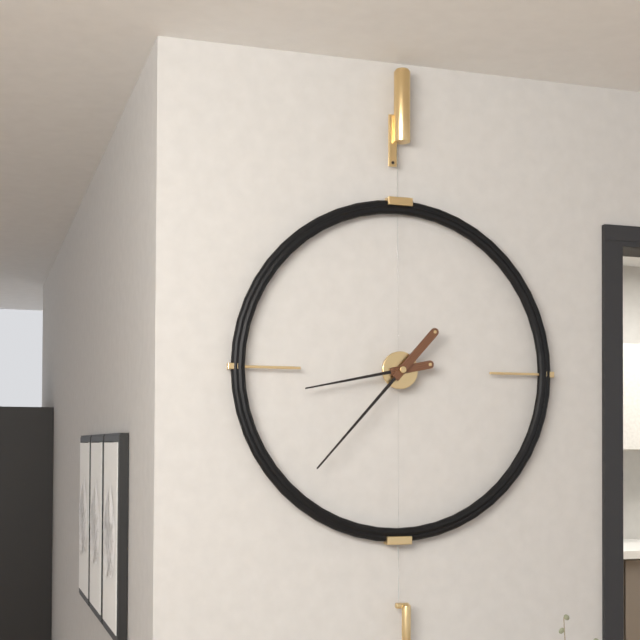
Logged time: {"hour": 8, "minute": 37}
